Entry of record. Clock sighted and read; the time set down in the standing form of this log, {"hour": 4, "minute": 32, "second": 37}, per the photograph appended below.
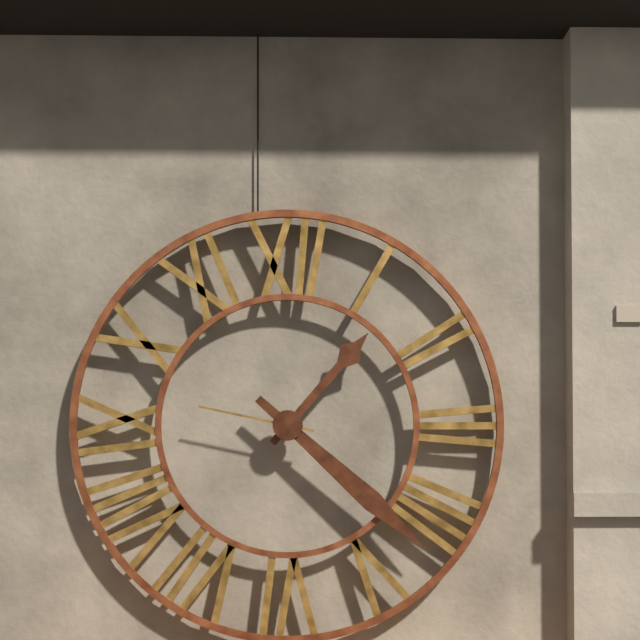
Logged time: {"hour": 1, "minute": 22, "second": 47}
